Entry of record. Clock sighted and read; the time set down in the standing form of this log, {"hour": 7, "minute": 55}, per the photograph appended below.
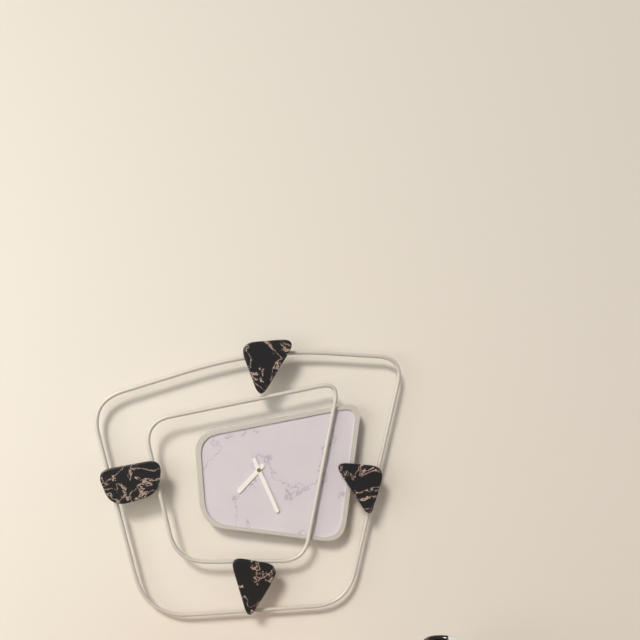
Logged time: {"hour": 7, "minute": 26}
